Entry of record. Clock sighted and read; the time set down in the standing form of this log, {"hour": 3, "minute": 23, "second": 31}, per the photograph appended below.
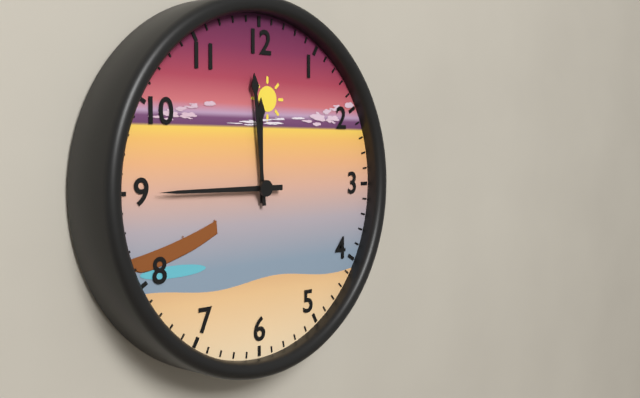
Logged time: {"hour": 11, "minute": 59, "second": 45}
